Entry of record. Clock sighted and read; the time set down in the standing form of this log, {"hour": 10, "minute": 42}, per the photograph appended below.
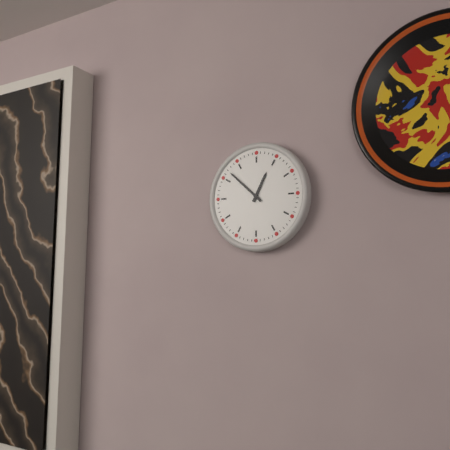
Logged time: {"hour": 12, "minute": 52}
